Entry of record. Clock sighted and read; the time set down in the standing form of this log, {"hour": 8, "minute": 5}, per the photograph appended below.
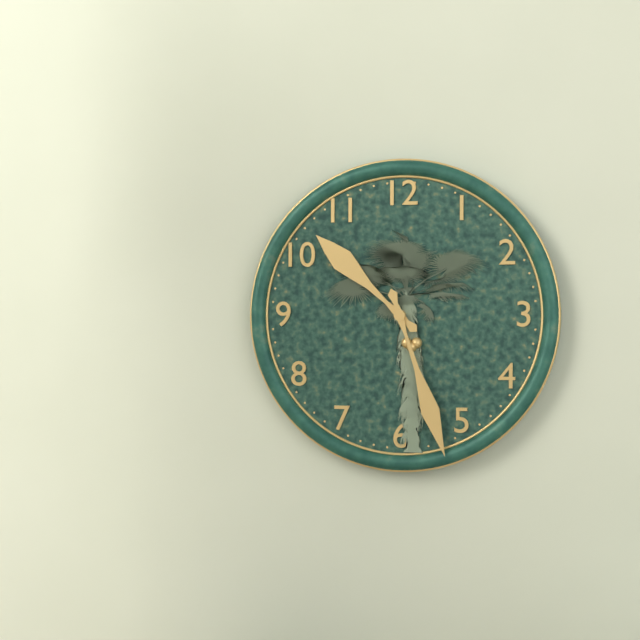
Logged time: {"hour": 10, "minute": 27}
